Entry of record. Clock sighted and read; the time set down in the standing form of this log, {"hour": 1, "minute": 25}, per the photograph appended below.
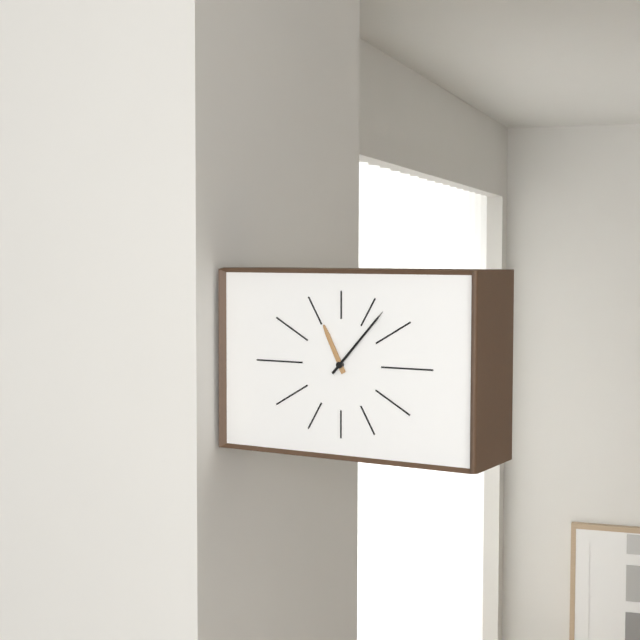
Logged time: {"hour": 11, "minute": 7}
